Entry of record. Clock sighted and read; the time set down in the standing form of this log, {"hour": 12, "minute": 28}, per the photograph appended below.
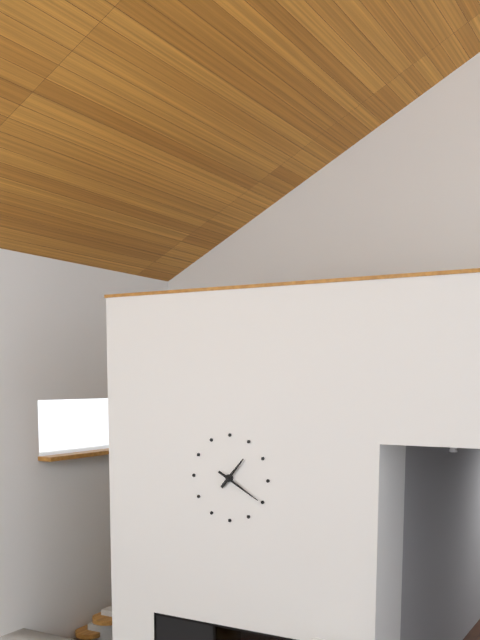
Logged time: {"hour": 1, "minute": 20}
